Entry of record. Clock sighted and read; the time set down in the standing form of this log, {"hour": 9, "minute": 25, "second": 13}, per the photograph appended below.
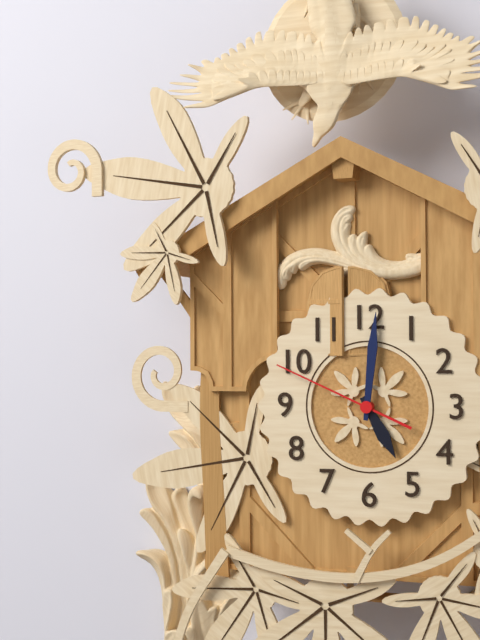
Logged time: {"hour": 5, "minute": 1, "second": 49}
